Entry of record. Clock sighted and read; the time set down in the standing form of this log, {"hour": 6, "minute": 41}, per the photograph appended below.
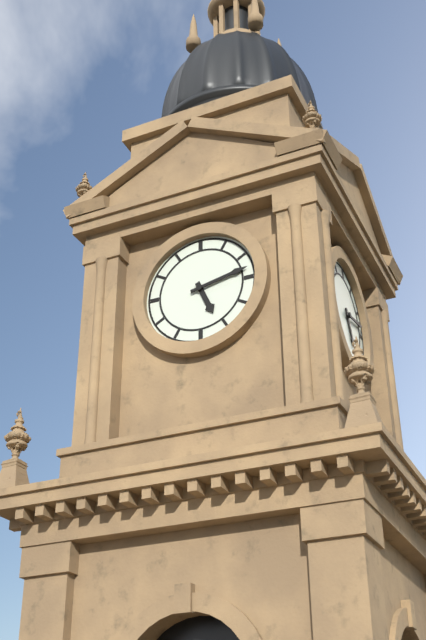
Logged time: {"hour": 5, "minute": 13}
